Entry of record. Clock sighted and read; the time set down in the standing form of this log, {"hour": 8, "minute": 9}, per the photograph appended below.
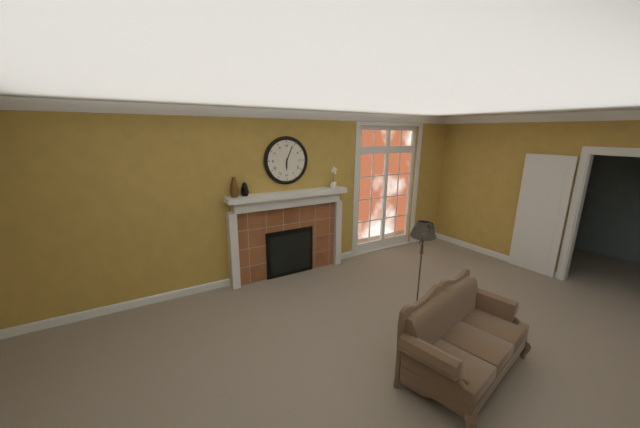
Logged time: {"hour": 6, "minute": 4}
